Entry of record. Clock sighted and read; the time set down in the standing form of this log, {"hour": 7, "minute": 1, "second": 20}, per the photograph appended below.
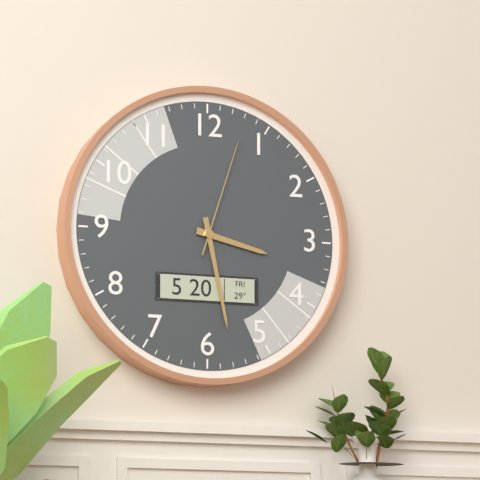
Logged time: {"hour": 3, "minute": 28, "second": 3}
